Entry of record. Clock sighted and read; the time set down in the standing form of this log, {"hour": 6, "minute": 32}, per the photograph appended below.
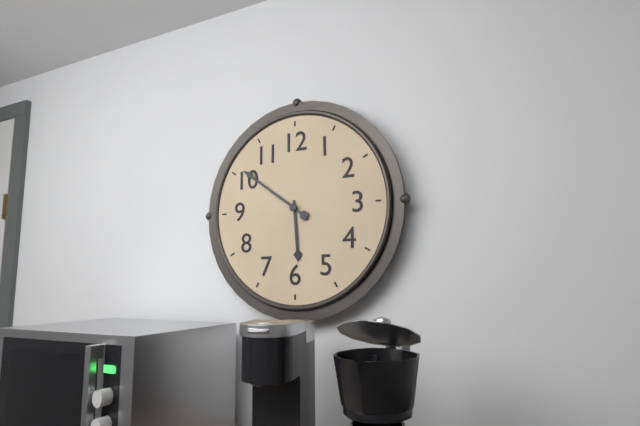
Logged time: {"hour": 5, "minute": 51}
